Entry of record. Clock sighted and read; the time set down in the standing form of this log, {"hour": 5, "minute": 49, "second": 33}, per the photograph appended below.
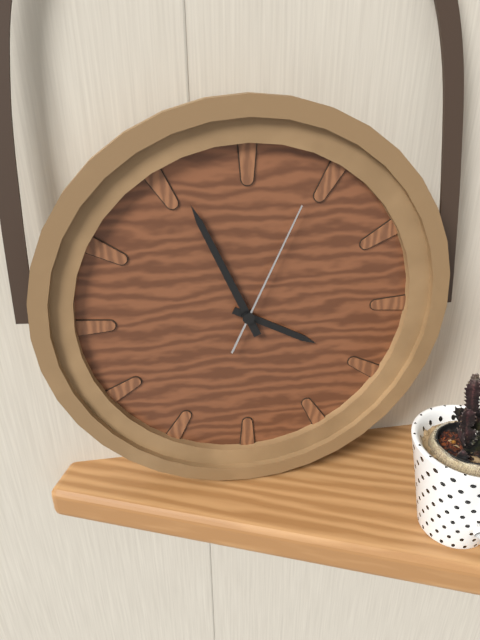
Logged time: {"hour": 3, "minute": 56, "second": 4}
